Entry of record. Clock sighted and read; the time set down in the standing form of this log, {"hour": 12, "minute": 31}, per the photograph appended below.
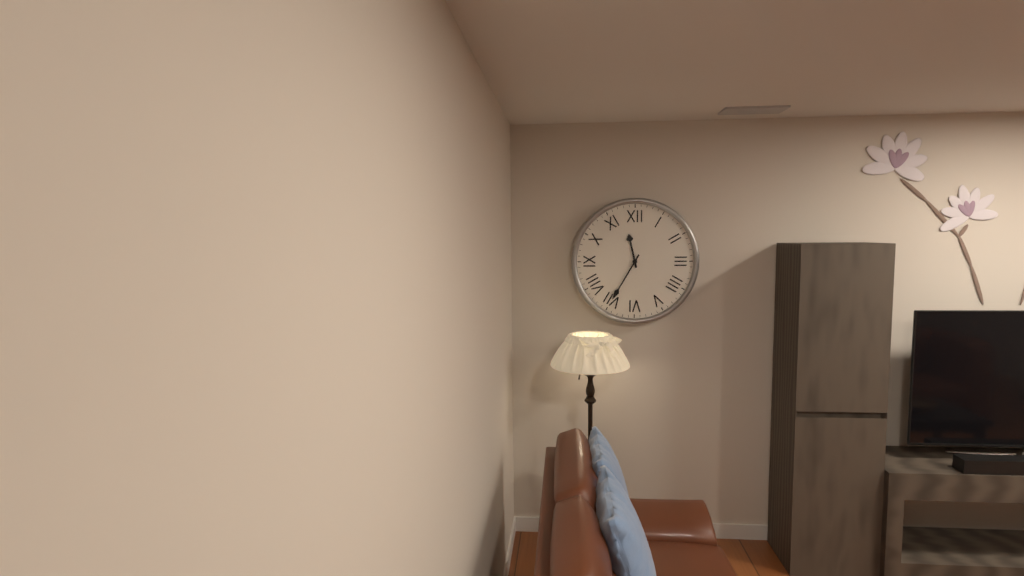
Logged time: {"hour": 11, "minute": 35}
